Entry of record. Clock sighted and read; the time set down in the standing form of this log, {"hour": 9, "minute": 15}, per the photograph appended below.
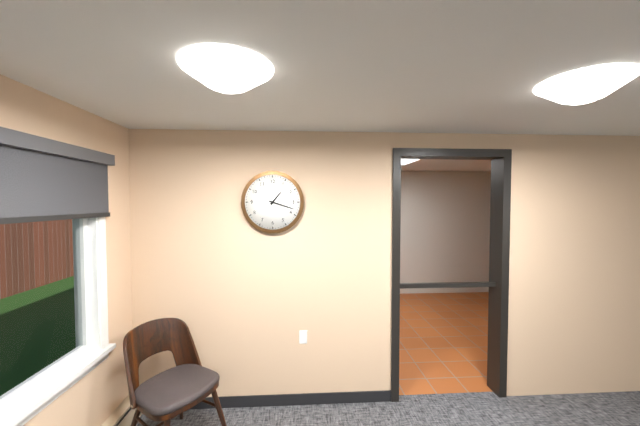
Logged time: {"hour": 1, "minute": 18}
